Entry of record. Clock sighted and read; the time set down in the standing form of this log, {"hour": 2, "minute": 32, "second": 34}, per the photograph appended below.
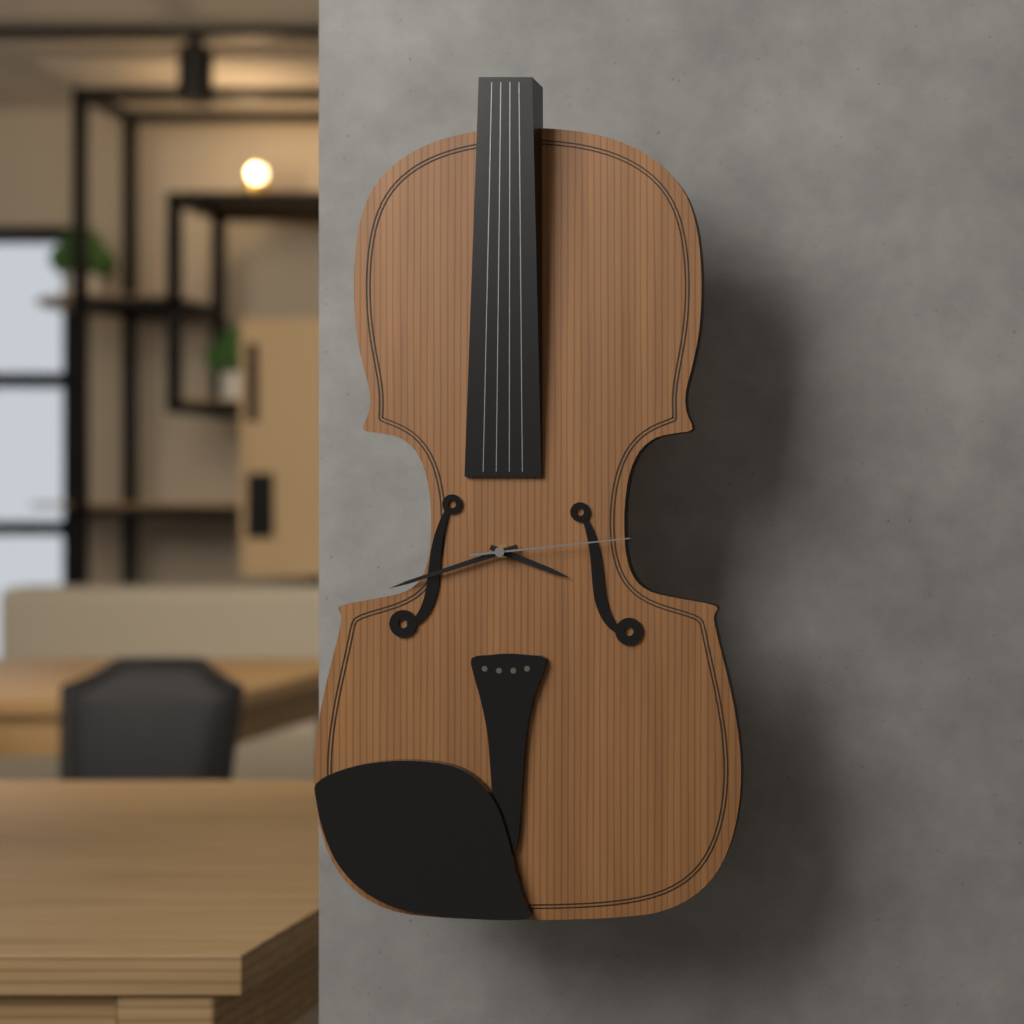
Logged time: {"hour": 3, "minute": 42, "second": 14}
